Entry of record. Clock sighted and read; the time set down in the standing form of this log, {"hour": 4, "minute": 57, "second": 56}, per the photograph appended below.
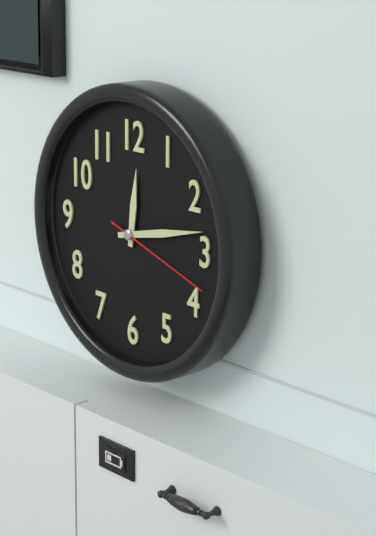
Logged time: {"hour": 12, "minute": 13, "second": 18}
